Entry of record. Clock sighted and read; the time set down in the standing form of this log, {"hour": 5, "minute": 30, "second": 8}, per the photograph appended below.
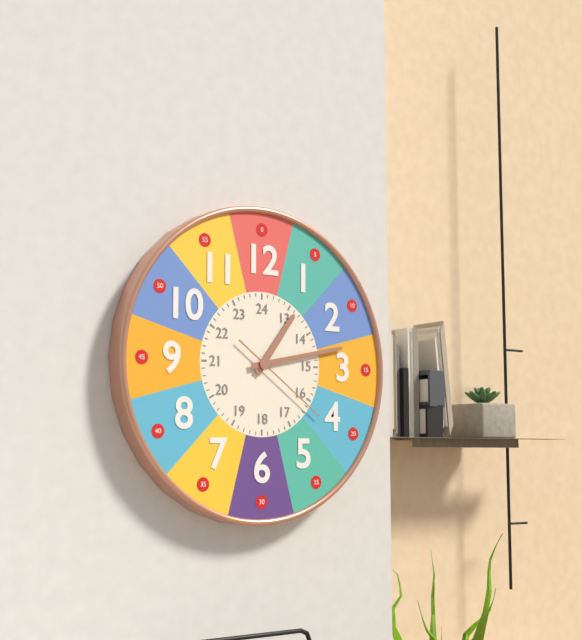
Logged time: {"hour": 1, "minute": 13, "second": 21}
